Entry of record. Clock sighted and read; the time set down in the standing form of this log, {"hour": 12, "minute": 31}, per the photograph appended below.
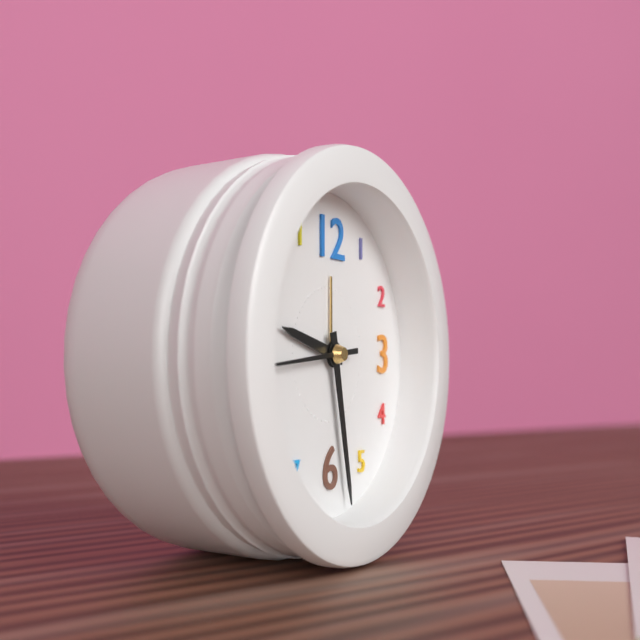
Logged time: {"hour": 9, "minute": 28}
